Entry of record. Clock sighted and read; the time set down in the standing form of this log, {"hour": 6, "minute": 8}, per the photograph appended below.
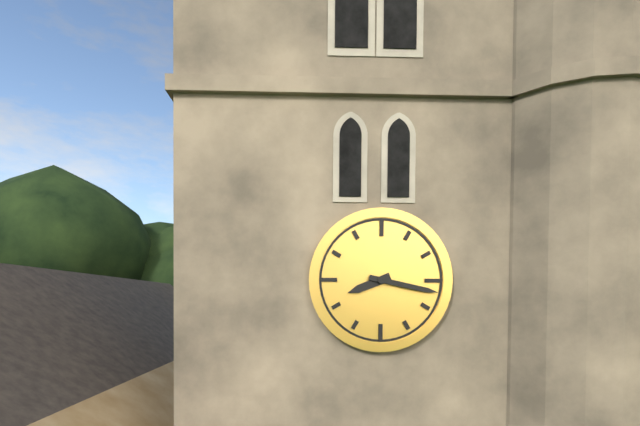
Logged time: {"hour": 8, "minute": 17}
